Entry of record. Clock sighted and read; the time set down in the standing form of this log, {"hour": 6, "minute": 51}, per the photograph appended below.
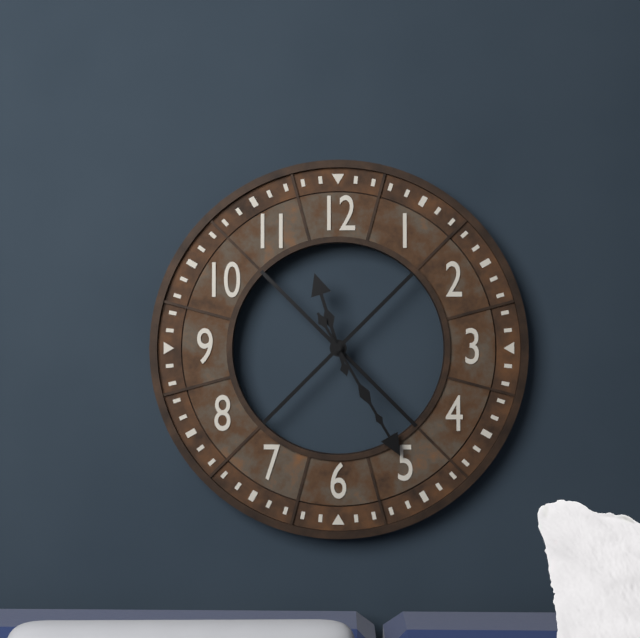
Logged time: {"hour": 11, "minute": 25}
